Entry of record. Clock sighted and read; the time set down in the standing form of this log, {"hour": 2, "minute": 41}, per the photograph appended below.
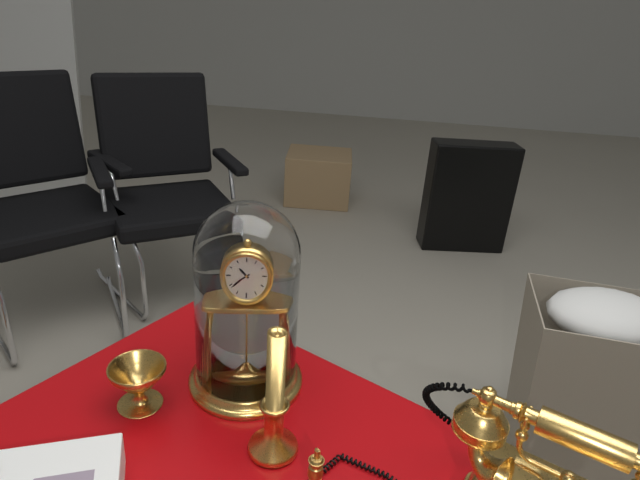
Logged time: {"hour": 10, "minute": 39}
